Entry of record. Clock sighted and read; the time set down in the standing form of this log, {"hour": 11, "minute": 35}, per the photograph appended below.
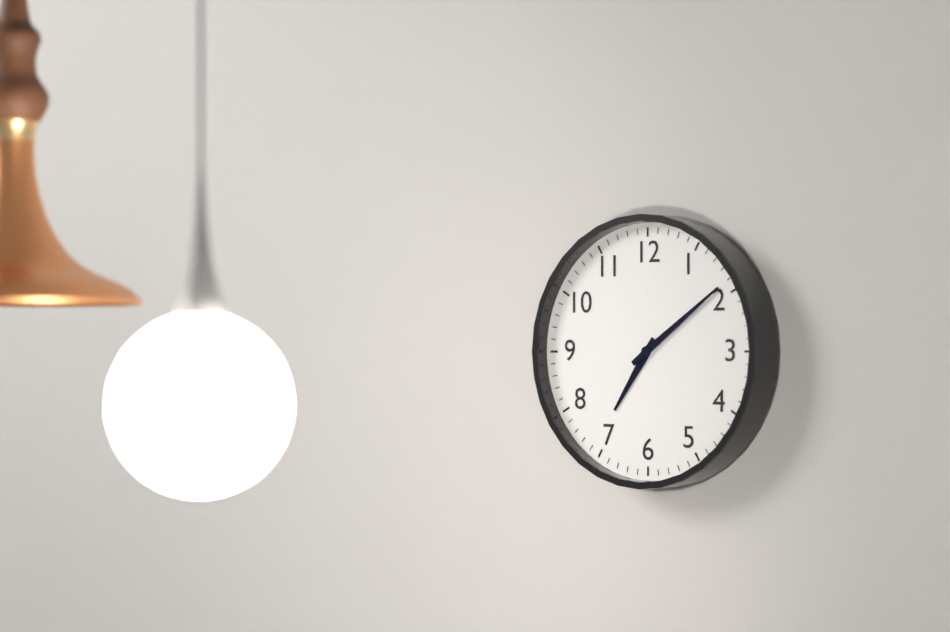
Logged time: {"hour": 7, "minute": 9}
